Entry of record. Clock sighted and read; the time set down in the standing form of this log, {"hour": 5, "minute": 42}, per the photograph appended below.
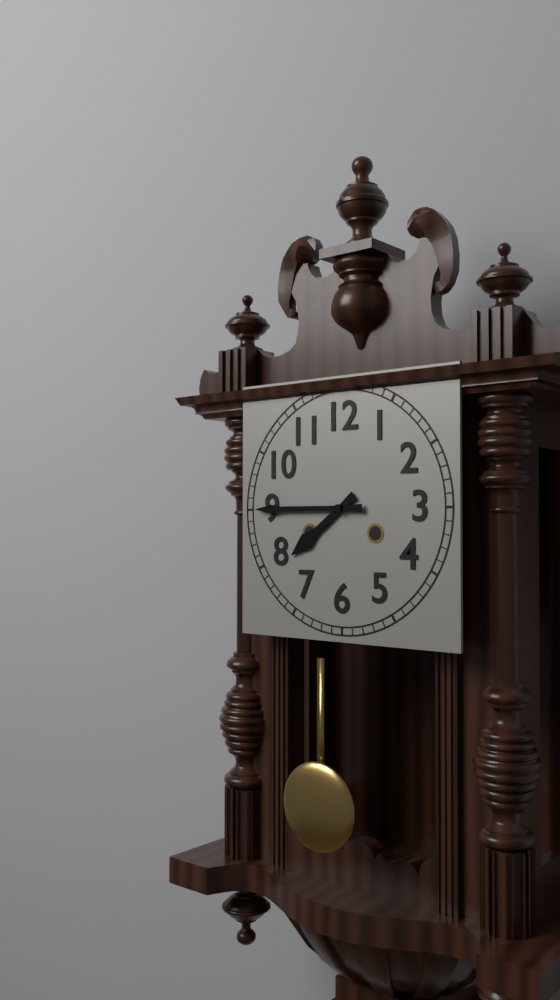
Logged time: {"hour": 7, "minute": 45}
